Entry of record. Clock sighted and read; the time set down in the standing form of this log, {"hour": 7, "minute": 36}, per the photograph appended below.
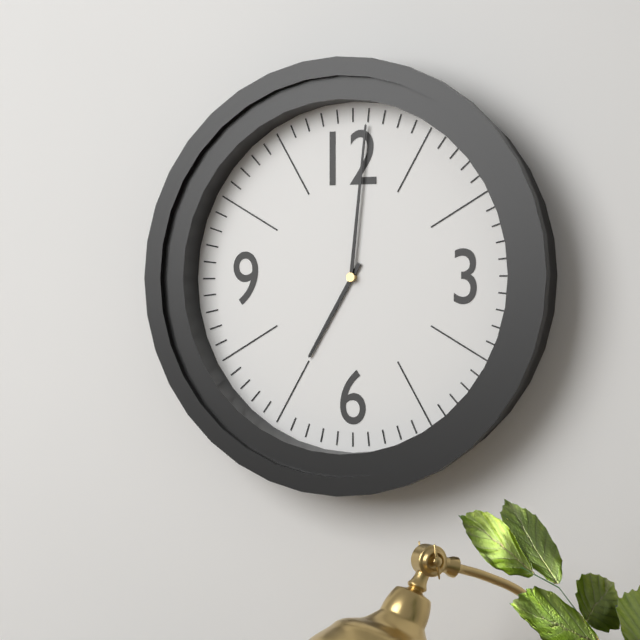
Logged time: {"hour": 7, "minute": 1}
